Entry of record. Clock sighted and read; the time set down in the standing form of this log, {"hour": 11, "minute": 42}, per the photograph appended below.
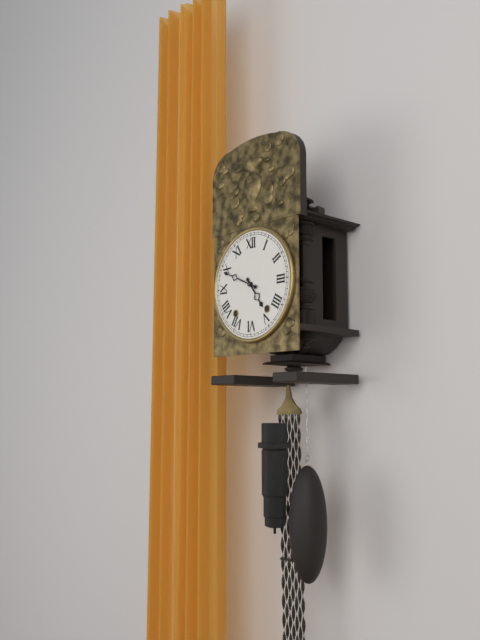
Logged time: {"hour": 4, "minute": 49}
